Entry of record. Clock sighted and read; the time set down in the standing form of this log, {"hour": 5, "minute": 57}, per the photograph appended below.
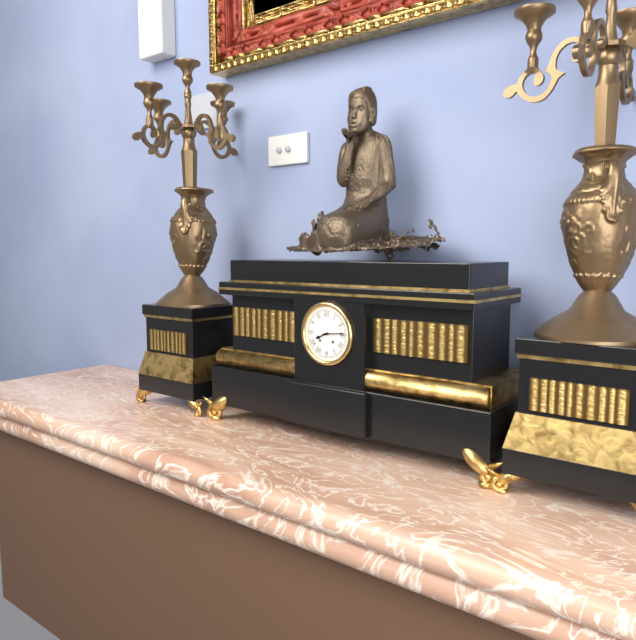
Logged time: {"hour": 8, "minute": 14}
